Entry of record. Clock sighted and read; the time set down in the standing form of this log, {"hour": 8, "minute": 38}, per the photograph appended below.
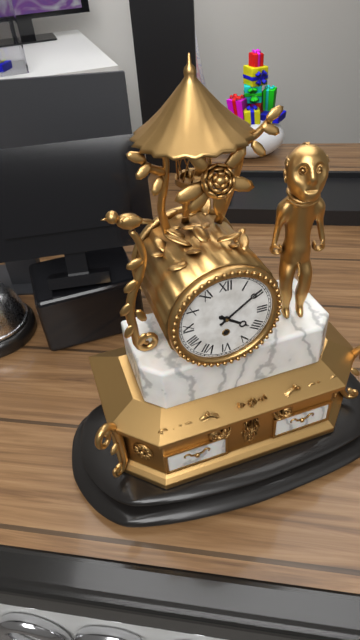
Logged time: {"hour": 4, "minute": 9}
